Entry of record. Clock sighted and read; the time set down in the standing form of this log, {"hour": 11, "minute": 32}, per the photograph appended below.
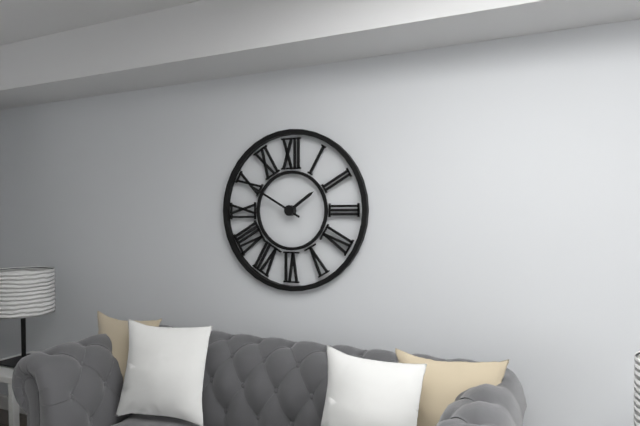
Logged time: {"hour": 1, "minute": 50}
